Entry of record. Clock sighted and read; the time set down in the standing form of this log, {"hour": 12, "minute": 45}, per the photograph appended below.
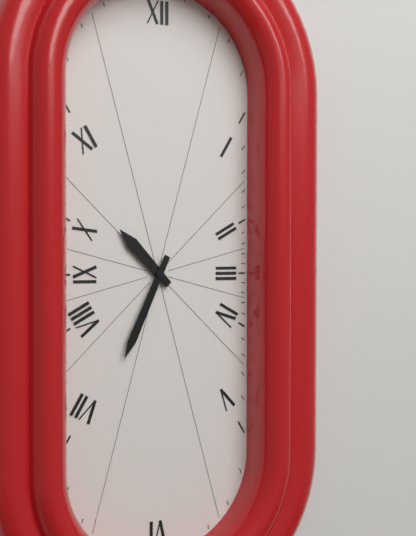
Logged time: {"hour": 10, "minute": 34}
